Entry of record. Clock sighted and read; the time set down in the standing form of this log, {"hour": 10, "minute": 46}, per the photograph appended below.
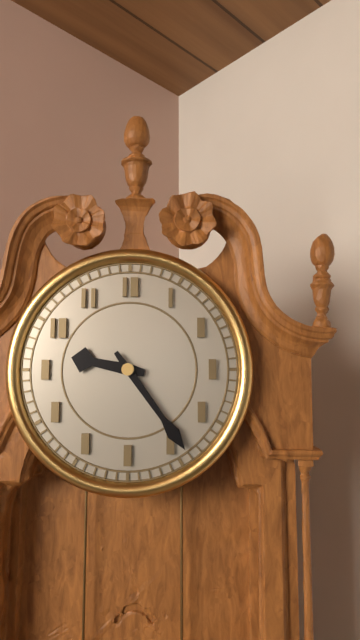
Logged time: {"hour": 9, "minute": 24}
